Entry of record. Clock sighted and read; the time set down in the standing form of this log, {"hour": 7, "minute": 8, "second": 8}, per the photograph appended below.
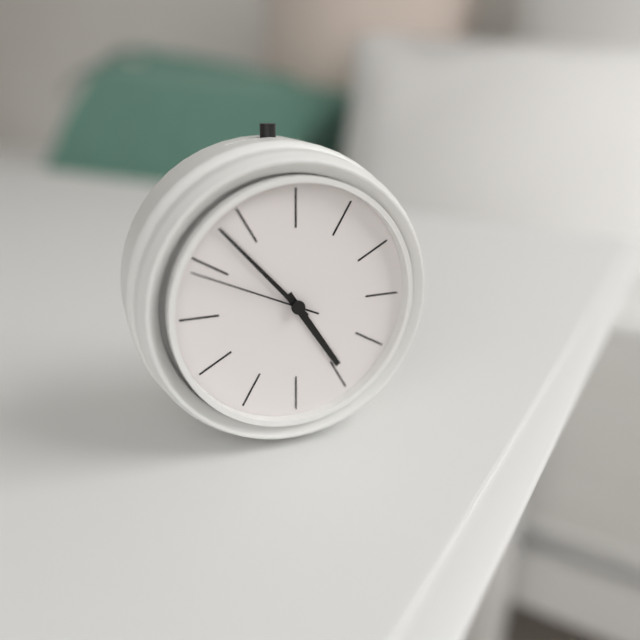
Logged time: {"hour": 4, "minute": 53, "second": 49}
